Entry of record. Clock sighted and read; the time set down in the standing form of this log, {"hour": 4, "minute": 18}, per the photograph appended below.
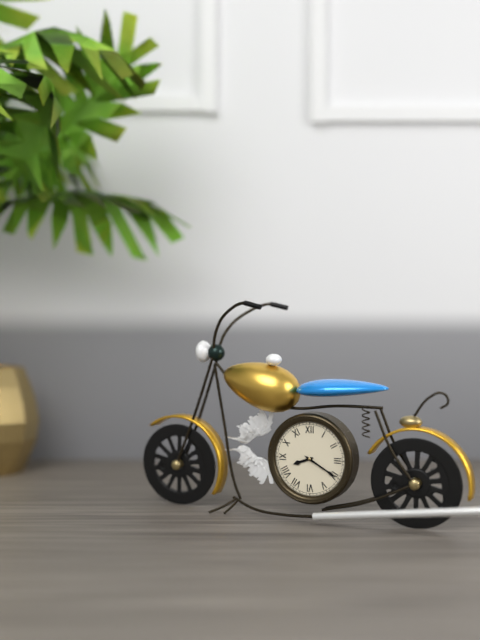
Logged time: {"hour": 8, "minute": 20}
